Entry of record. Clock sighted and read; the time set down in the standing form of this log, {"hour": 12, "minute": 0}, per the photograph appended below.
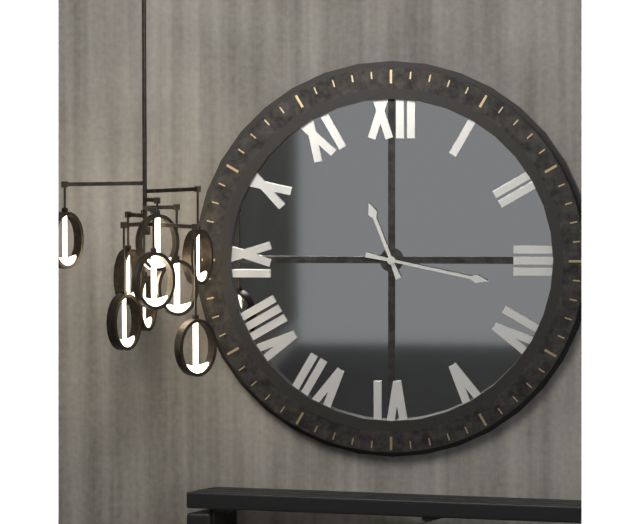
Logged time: {"hour": 11, "minute": 17}
